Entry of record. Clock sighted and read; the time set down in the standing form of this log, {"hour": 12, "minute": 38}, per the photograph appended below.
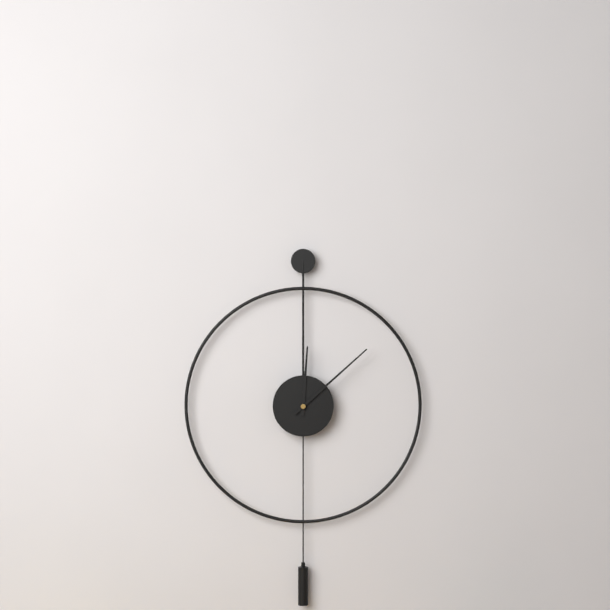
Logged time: {"hour": 12, "minute": 8}
